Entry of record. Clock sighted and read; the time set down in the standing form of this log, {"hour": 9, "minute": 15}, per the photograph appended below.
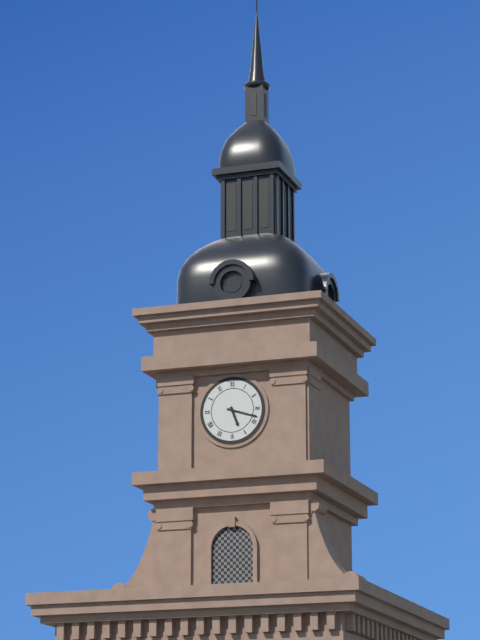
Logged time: {"hour": 5, "minute": 18}
